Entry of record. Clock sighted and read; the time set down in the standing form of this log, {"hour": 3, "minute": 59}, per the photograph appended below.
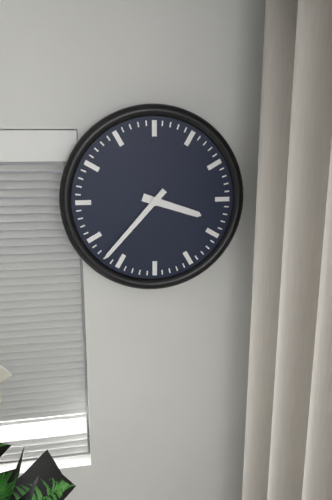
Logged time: {"hour": 3, "minute": 37}
